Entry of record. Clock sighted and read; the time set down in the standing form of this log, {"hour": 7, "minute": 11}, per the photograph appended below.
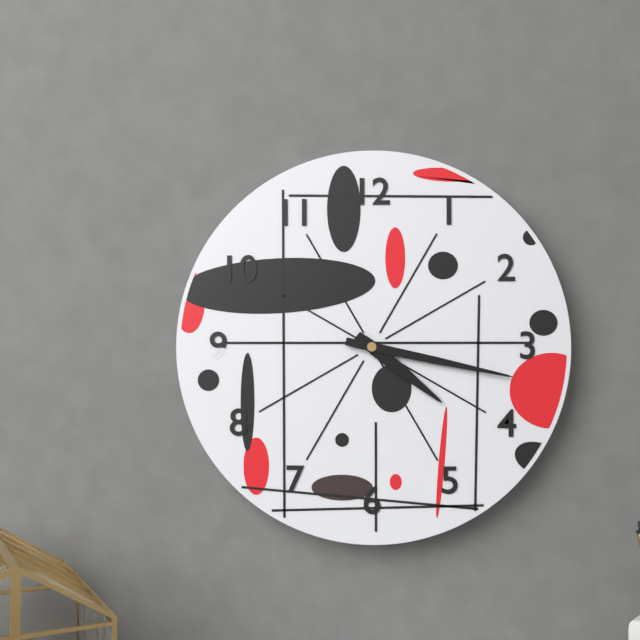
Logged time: {"hour": 4, "minute": 17}
